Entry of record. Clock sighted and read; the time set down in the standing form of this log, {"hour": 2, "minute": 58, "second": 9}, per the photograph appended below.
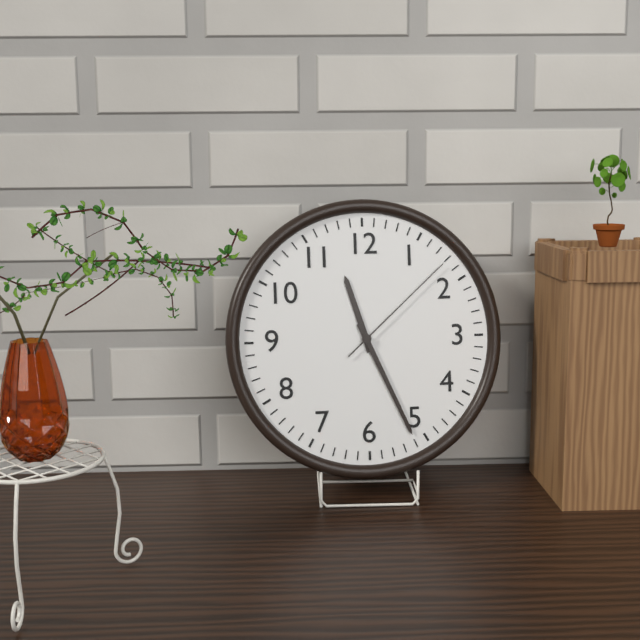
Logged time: {"hour": 11, "minute": 26, "second": 8}
